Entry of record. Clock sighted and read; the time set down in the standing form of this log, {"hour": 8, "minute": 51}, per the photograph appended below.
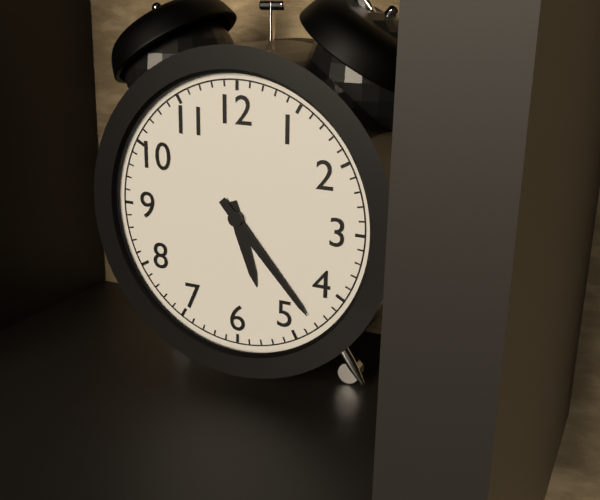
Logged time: {"hour": 5, "minute": 23}
